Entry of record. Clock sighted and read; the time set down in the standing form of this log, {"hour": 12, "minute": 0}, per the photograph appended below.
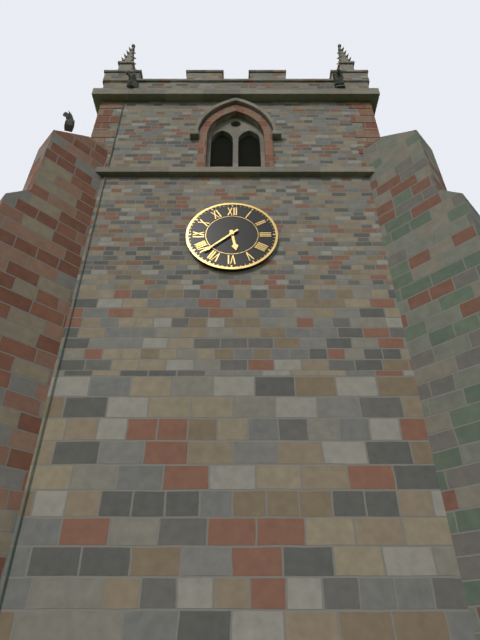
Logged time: {"hour": 5, "minute": 38}
